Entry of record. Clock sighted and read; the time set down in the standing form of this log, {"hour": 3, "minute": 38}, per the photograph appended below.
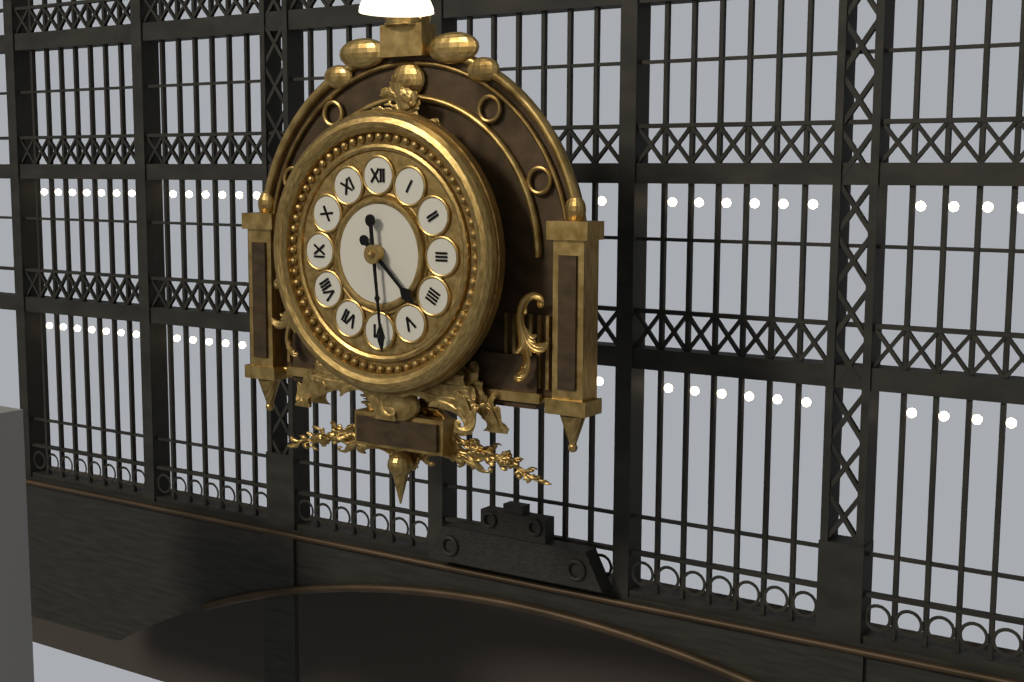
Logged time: {"hour": 4, "minute": 29}
